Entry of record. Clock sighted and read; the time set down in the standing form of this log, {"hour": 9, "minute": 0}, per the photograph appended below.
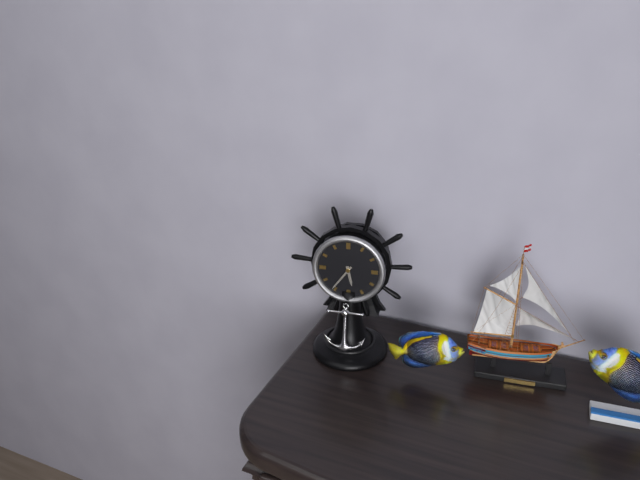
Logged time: {"hour": 5, "minute": 36}
